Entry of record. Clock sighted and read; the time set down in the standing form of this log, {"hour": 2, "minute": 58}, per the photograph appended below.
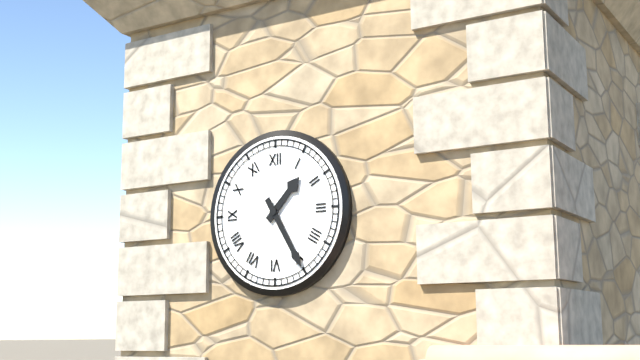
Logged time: {"hour": 1, "minute": 25}
